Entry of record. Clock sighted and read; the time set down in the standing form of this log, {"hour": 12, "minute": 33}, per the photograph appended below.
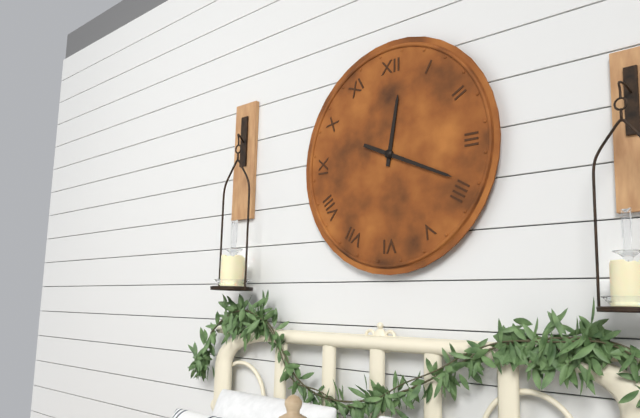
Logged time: {"hour": 12, "minute": 19}
